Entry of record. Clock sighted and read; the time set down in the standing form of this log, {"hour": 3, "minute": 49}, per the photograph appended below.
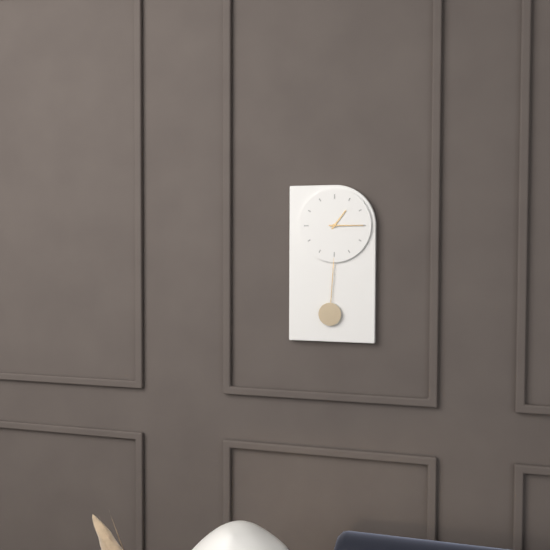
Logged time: {"hour": 1, "minute": 15}
